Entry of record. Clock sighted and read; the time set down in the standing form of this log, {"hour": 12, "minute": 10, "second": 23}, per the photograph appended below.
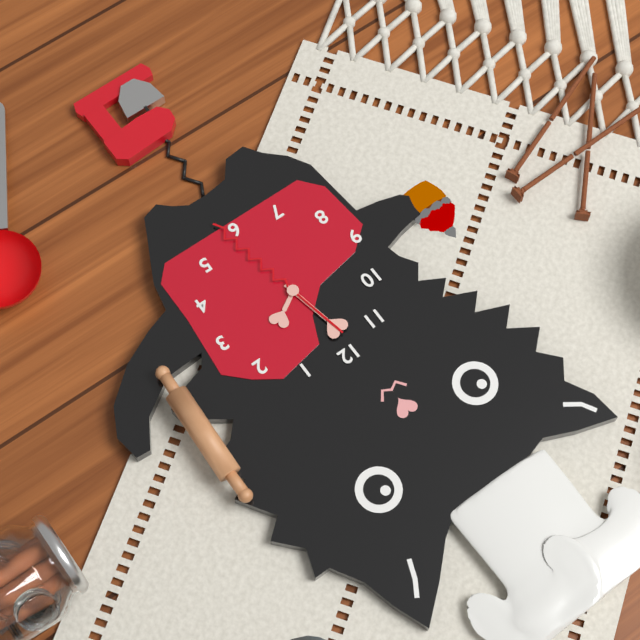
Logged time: {"hour": 1, "minute": 58, "second": 28}
